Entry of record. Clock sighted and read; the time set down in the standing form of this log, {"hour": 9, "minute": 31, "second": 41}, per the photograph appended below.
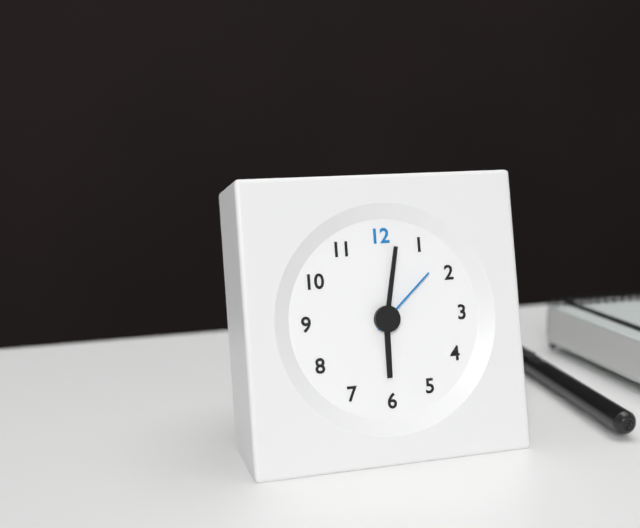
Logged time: {"hour": 6, "minute": 2, "second": 8}
